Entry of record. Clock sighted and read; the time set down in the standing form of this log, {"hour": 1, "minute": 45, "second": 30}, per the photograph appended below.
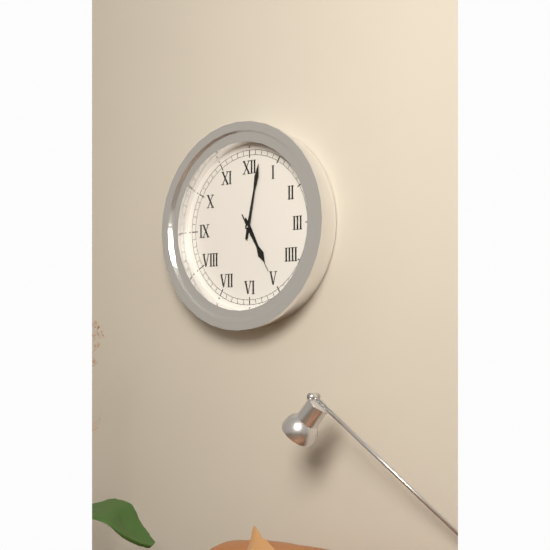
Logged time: {"hour": 5, "minute": 2, "second": 25}
